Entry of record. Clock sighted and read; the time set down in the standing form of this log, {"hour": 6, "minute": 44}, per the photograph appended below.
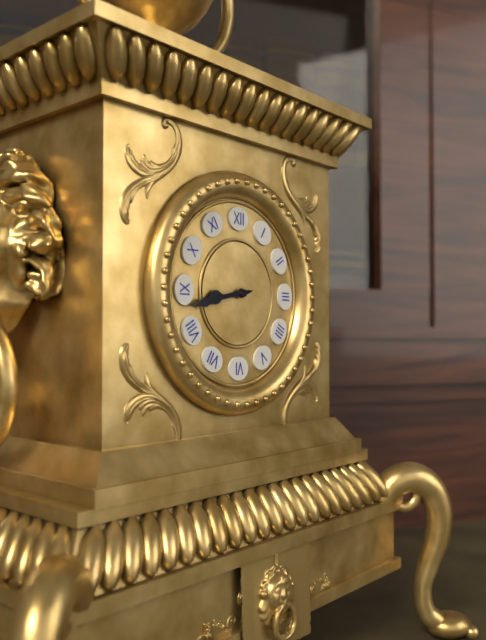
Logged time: {"hour": 8, "minute": 43}
